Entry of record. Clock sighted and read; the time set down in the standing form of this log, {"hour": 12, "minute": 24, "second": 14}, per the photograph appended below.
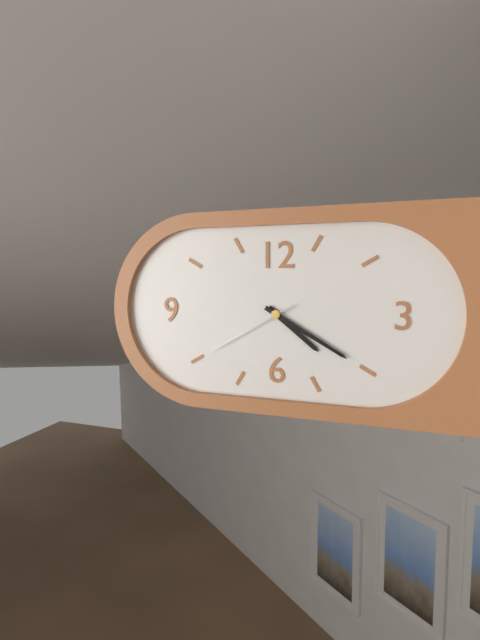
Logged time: {"hour": 4, "minute": 20, "second": 40}
